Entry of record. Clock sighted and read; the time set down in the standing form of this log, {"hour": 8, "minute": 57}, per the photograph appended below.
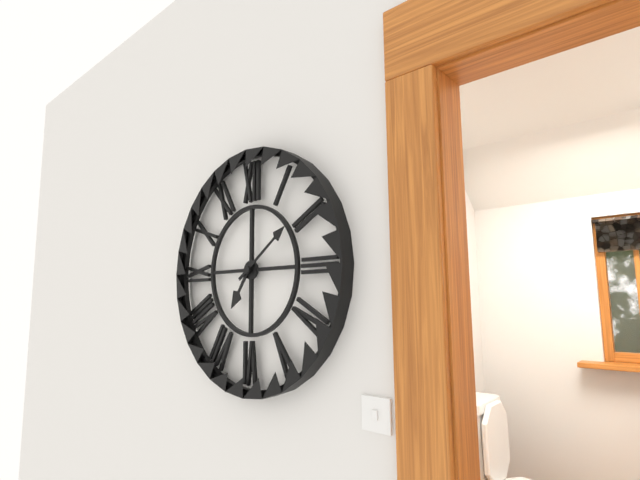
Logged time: {"hour": 7, "minute": 9}
